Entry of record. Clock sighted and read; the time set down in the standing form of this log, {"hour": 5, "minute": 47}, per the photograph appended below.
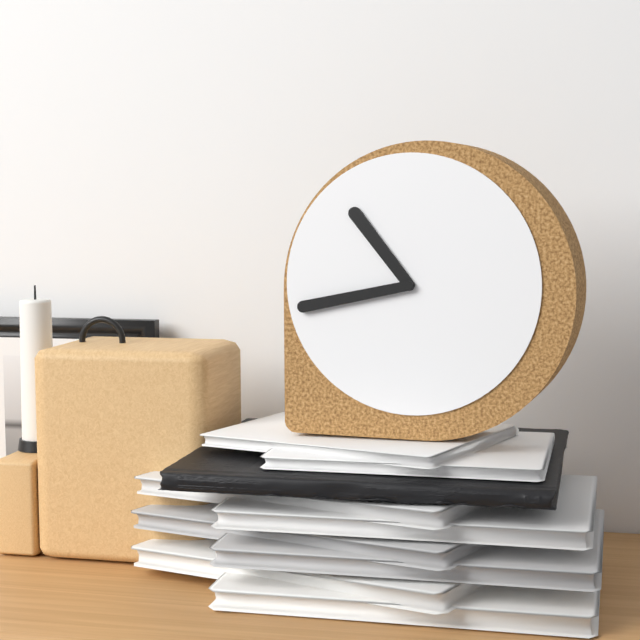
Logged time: {"hour": 10, "minute": 43}
